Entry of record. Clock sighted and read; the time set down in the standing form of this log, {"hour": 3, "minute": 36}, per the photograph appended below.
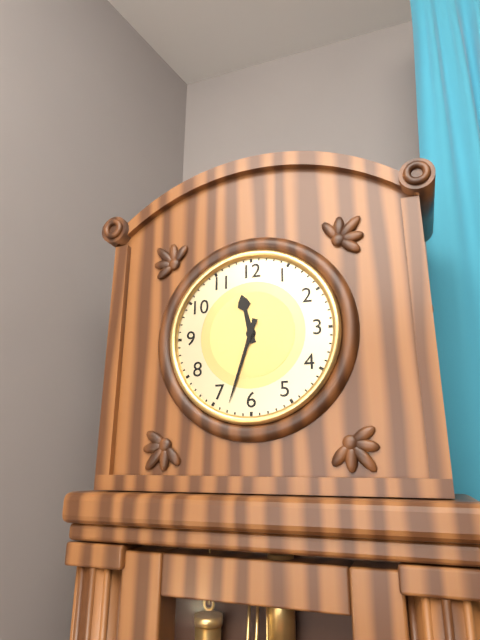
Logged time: {"hour": 11, "minute": 33}
